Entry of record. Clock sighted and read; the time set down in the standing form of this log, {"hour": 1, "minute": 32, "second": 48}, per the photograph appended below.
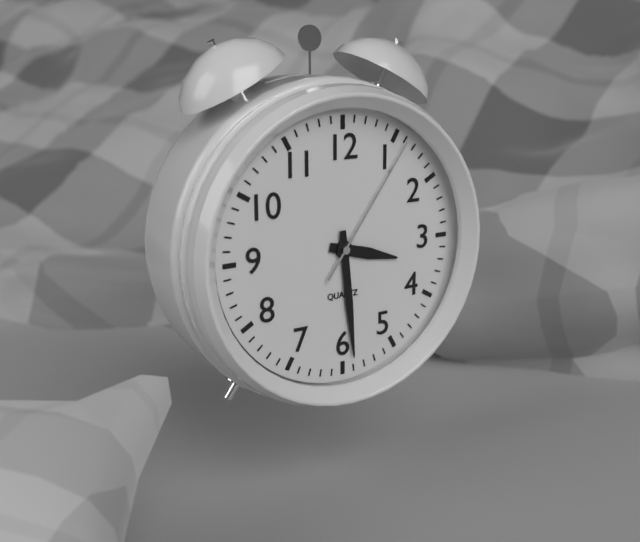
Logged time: {"hour": 3, "minute": 29, "second": 6}
